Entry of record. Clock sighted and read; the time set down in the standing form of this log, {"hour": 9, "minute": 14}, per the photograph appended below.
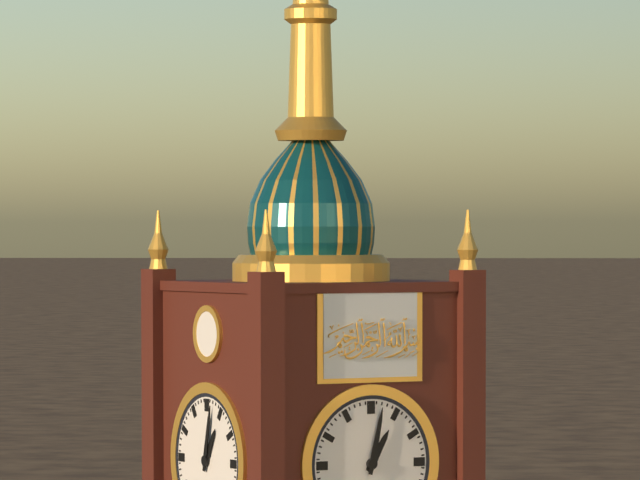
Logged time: {"hour": 1, "minute": 2}
